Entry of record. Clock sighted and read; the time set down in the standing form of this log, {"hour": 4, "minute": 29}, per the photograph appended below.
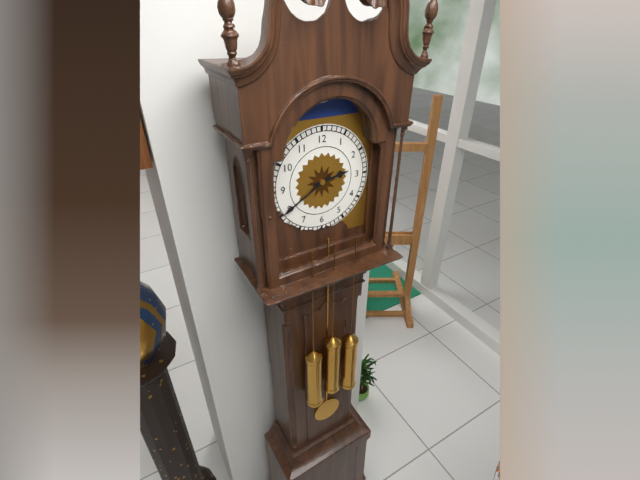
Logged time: {"hour": 2, "minute": 40}
